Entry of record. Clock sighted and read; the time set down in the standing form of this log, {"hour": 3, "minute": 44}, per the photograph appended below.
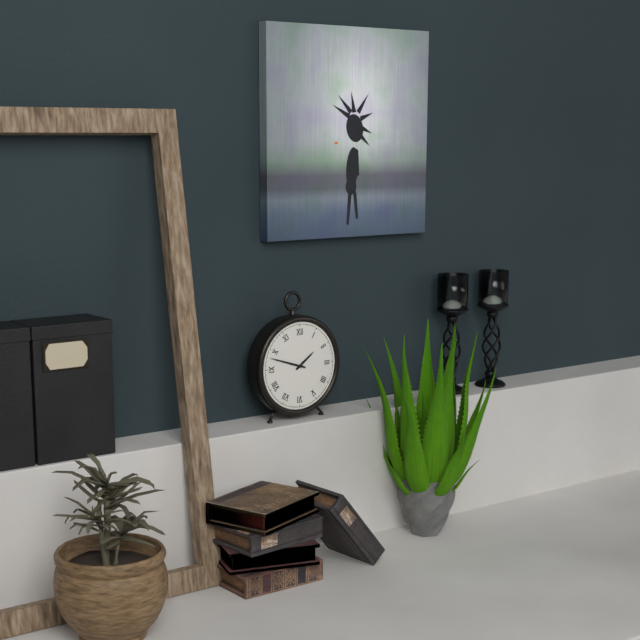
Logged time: {"hour": 1, "minute": 48}
